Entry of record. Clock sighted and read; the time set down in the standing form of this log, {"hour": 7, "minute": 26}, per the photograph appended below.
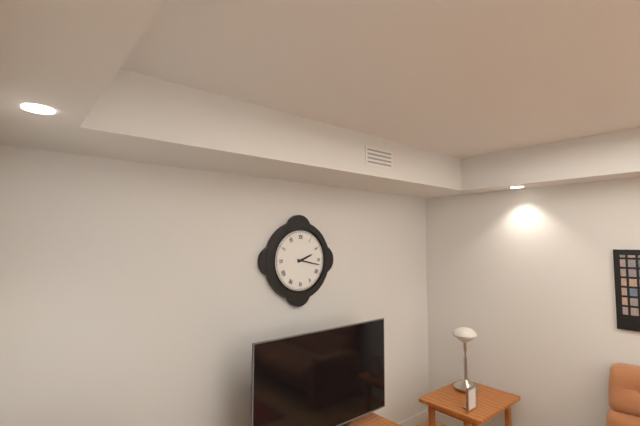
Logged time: {"hour": 2, "minute": 17}
